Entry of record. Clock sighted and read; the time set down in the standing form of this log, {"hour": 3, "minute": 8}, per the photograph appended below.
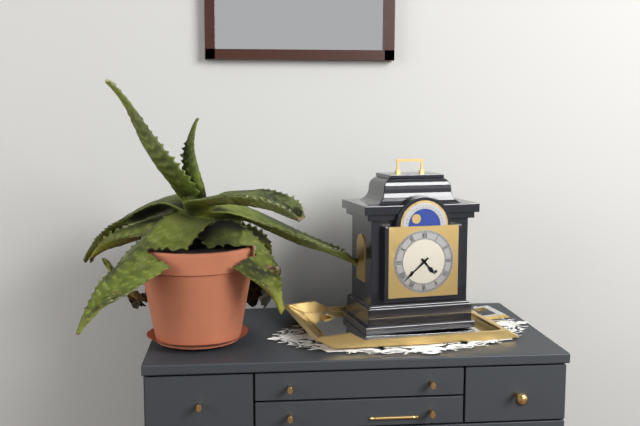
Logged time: {"hour": 4, "minute": 38}
